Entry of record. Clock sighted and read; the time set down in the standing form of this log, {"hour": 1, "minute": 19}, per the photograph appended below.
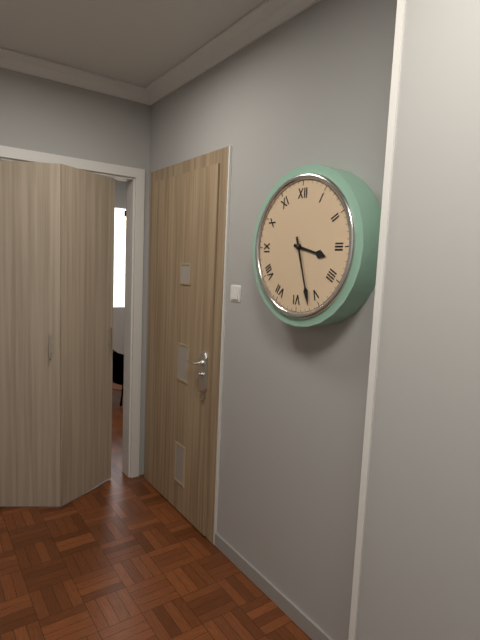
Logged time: {"hour": 3, "minute": 27}
